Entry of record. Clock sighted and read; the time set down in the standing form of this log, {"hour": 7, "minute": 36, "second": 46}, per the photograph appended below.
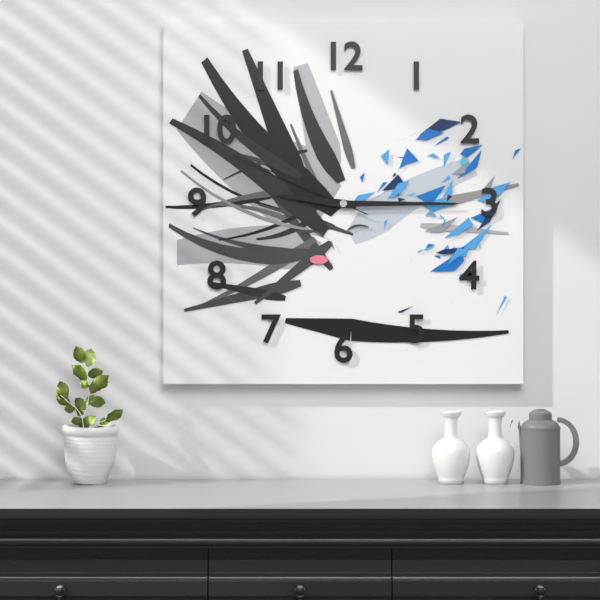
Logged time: {"hour": 9, "minute": 15, "second": 49}
